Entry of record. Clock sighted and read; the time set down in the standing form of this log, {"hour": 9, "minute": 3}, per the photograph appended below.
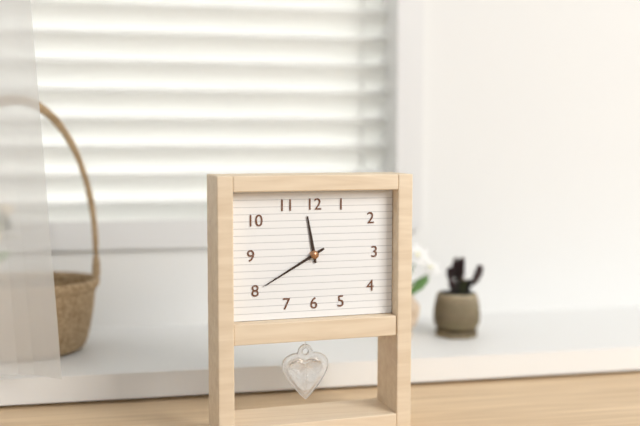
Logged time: {"hour": 11, "minute": 40}
